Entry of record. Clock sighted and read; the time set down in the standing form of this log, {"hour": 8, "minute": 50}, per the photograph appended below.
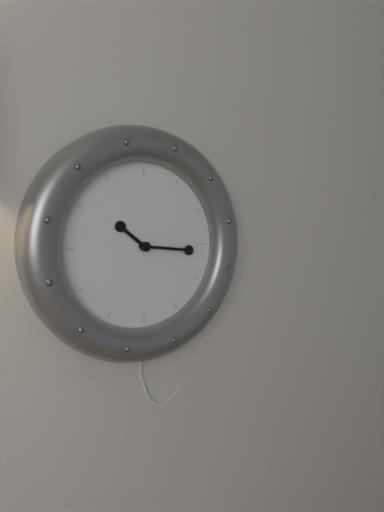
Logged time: {"hour": 10, "minute": 16}
